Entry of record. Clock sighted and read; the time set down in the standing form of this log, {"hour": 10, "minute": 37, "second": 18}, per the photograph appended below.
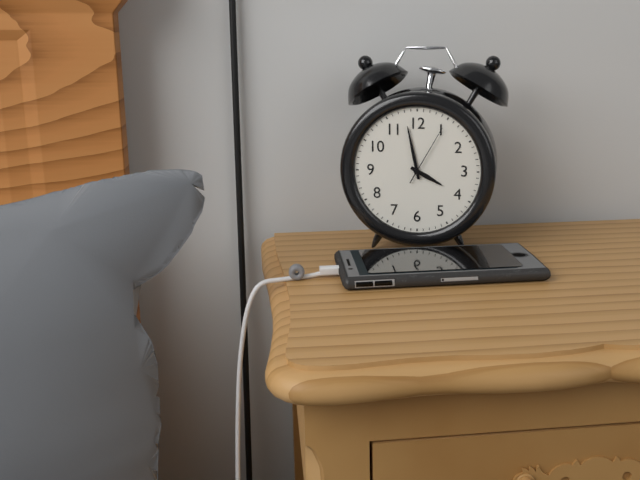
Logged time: {"hour": 3, "minute": 58, "second": 5}
